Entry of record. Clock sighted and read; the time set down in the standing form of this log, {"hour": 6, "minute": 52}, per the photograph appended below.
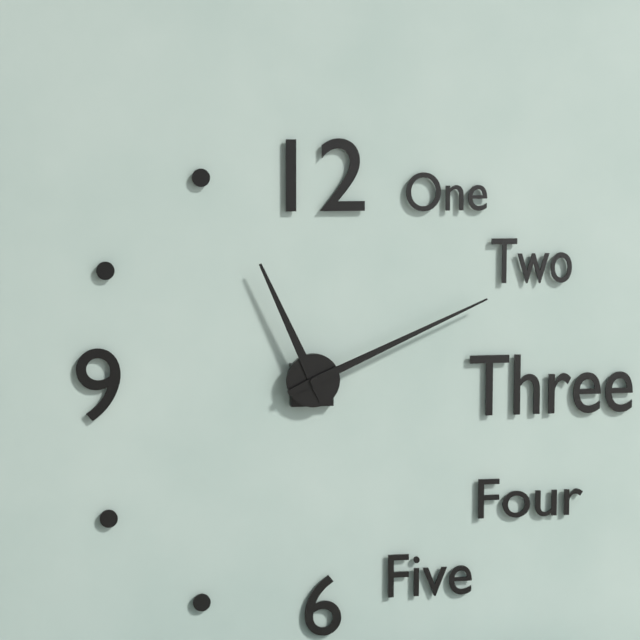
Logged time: {"hour": 11, "minute": 11}
